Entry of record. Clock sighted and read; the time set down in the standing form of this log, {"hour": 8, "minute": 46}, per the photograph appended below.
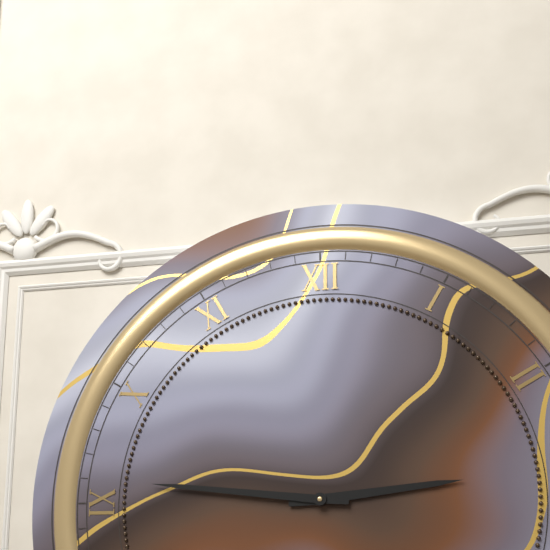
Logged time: {"hour": 2, "minute": 46}
